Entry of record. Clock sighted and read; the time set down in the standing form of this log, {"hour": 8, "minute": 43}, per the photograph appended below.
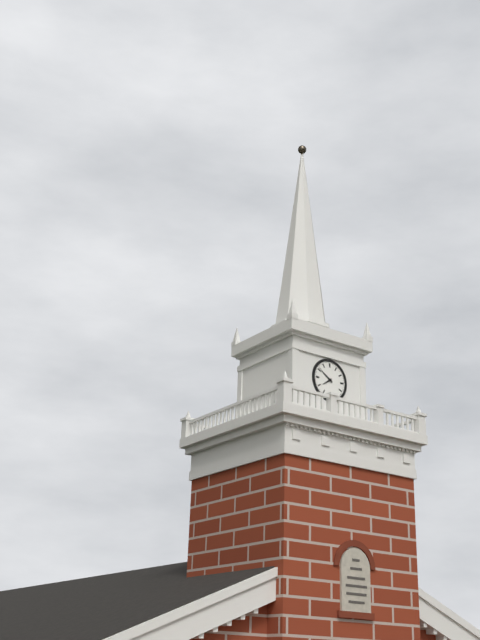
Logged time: {"hour": 7, "minute": 51}
